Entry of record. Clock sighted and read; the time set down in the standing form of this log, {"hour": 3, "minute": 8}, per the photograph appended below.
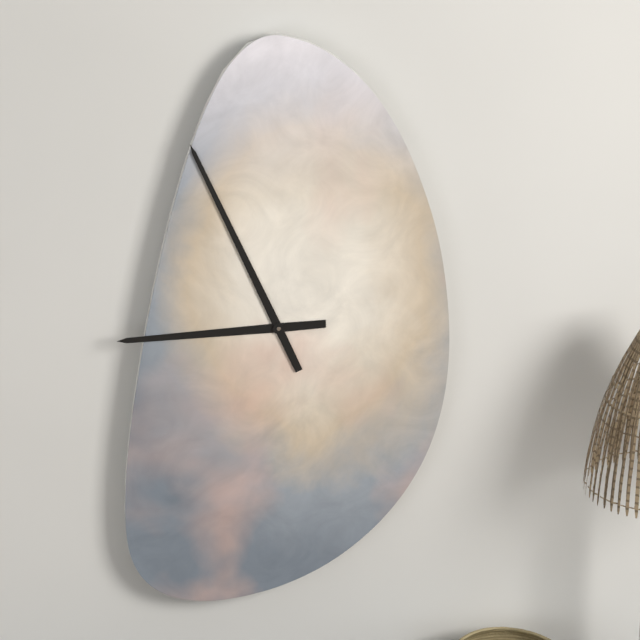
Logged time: {"hour": 8, "minute": 56}
